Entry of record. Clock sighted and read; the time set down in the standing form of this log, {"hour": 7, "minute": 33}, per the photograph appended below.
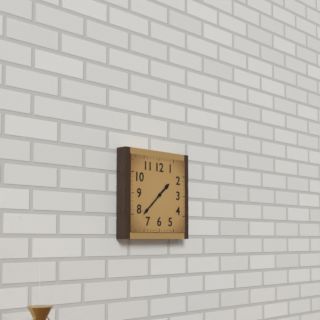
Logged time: {"hour": 1, "minute": 38}
